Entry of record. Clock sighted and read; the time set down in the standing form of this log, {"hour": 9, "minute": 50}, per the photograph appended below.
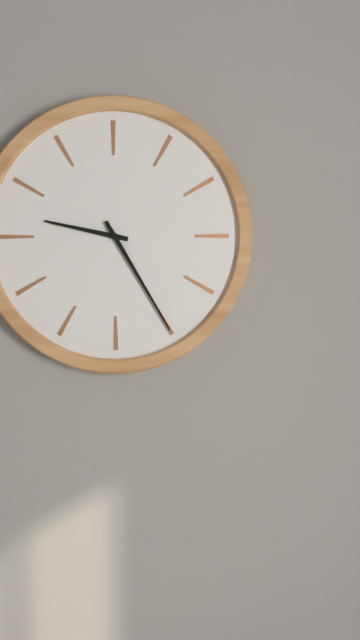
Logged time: {"hour": 9, "minute": 25}
